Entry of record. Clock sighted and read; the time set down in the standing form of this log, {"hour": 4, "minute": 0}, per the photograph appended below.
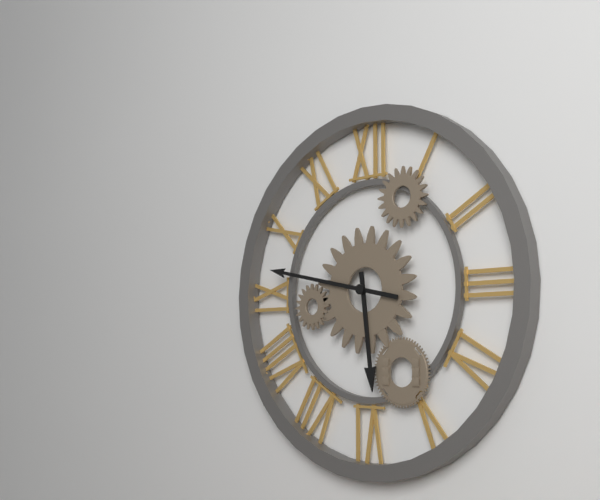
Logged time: {"hour": 5, "minute": 47}
